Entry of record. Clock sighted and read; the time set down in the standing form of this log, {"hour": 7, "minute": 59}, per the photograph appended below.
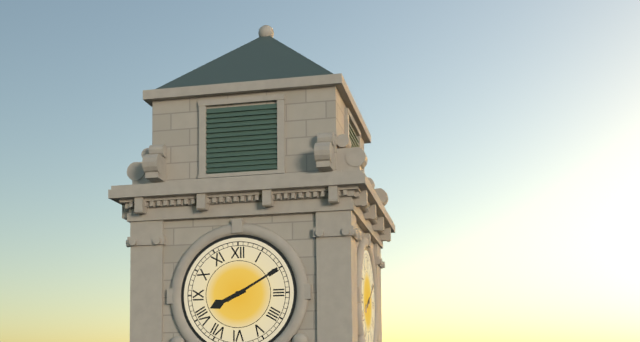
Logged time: {"hour": 8, "minute": 10}
